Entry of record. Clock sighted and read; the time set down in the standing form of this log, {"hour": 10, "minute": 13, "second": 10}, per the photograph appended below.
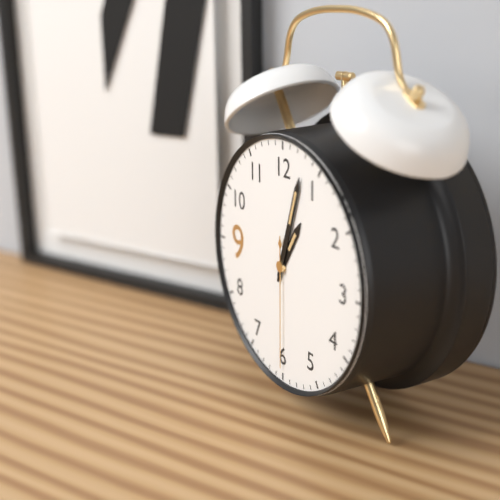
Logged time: {"hour": 1, "minute": 3, "second": 30}
